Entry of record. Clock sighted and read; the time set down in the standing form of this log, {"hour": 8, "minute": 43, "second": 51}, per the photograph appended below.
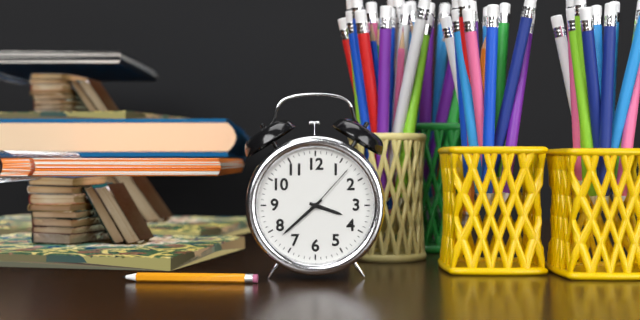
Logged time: {"hour": 3, "minute": 38, "second": 7}
